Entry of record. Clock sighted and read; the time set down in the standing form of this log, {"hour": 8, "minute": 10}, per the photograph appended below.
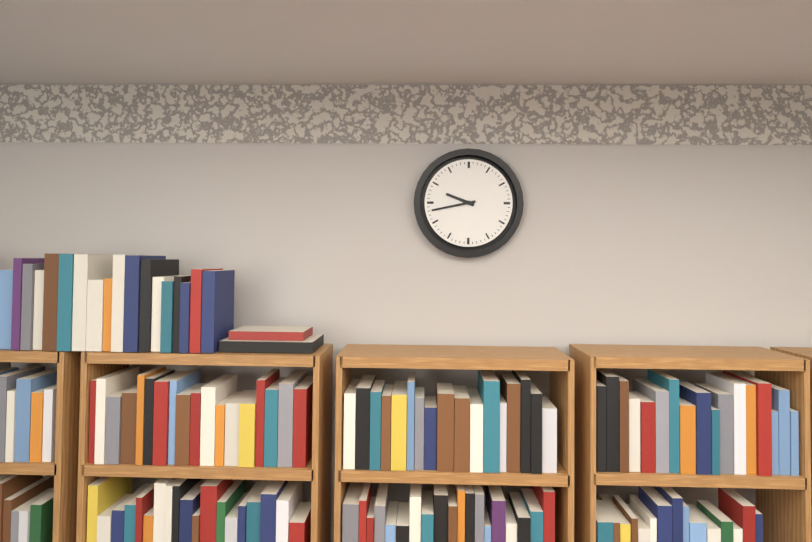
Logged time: {"hour": 9, "minute": 43}
